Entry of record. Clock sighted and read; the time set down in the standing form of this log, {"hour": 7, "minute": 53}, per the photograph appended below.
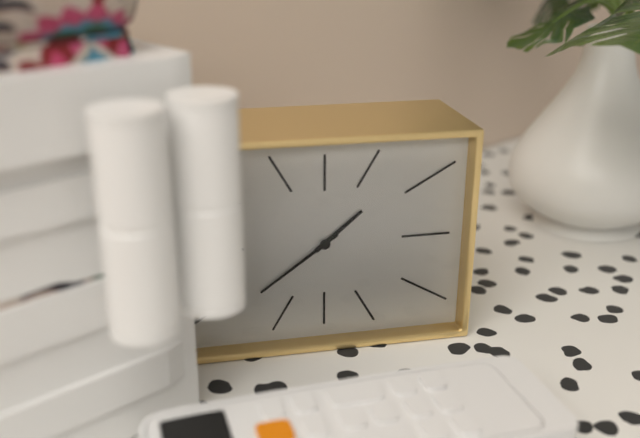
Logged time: {"hour": 1, "minute": 39}
